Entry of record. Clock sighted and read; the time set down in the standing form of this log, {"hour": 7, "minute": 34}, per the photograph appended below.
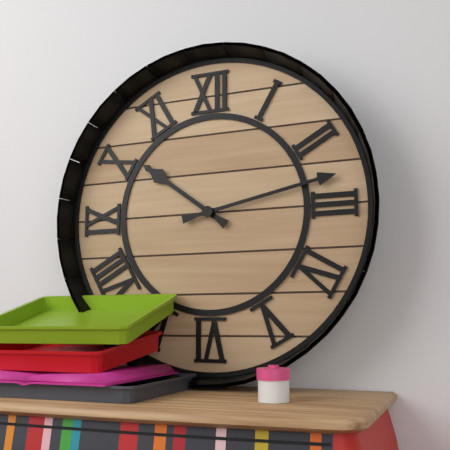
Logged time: {"hour": 10, "minute": 13}
